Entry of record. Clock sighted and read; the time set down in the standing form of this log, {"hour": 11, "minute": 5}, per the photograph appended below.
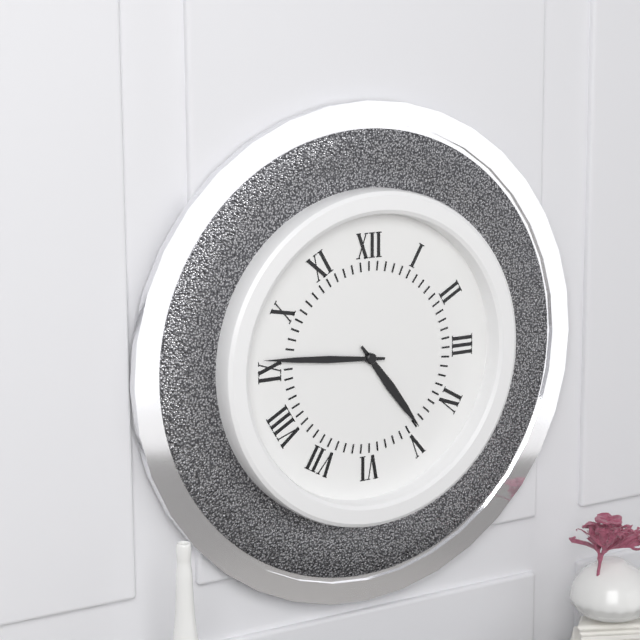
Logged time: {"hour": 4, "minute": 46}
